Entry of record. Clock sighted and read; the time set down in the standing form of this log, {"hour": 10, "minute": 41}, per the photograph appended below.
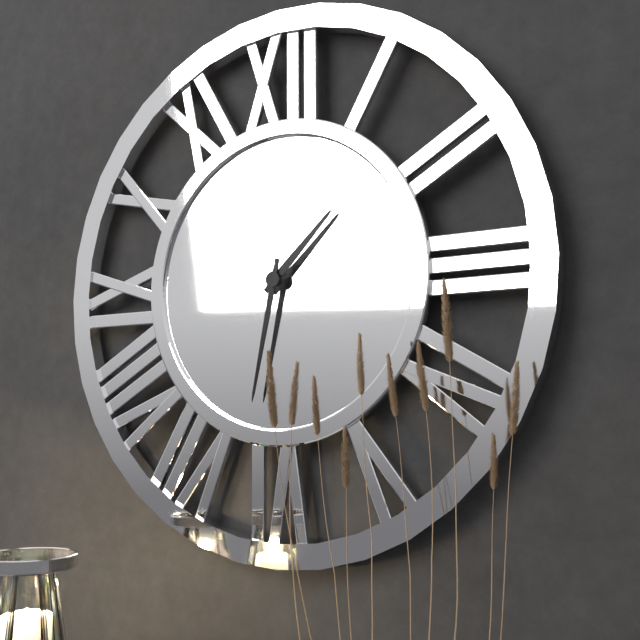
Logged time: {"hour": 1, "minute": 32}
